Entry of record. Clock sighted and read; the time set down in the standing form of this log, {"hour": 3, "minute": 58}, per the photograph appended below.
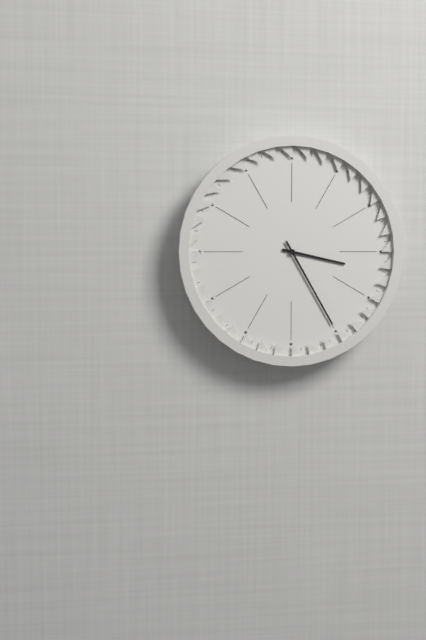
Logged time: {"hour": 3, "minute": 25}
